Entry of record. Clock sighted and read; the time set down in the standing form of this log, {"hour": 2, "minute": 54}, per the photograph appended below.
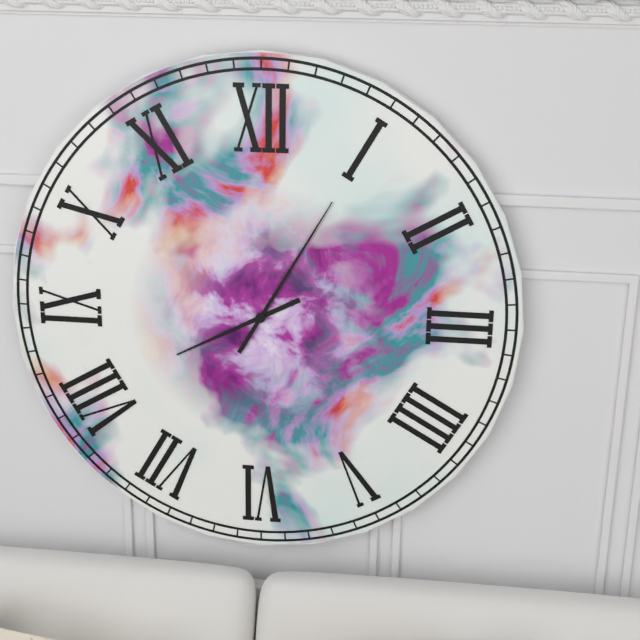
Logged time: {"hour": 8, "minute": 5}
